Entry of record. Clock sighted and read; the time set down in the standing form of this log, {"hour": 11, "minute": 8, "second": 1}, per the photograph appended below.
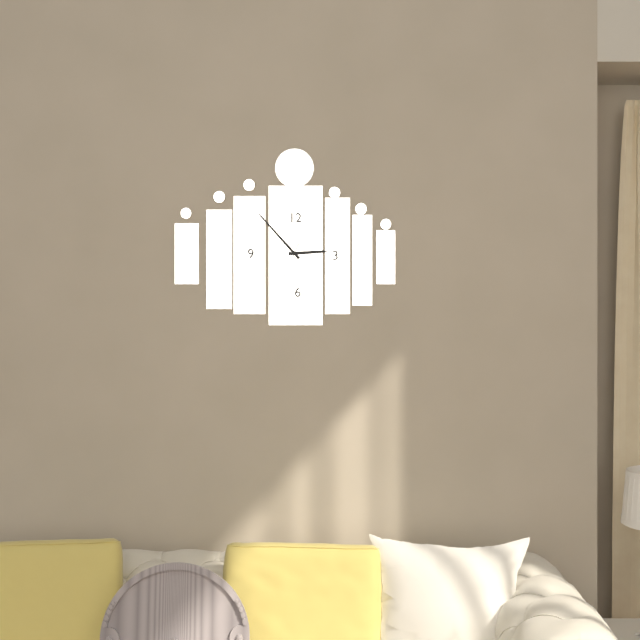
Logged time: {"hour": 2, "minute": 53, "second": 34}
